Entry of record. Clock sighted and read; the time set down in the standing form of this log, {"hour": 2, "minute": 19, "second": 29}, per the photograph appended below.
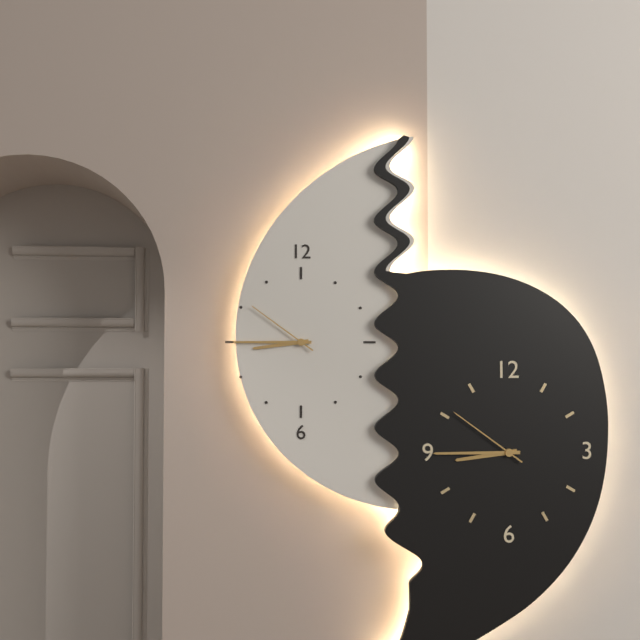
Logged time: {"hour": 8, "minute": 45, "second": 51}
